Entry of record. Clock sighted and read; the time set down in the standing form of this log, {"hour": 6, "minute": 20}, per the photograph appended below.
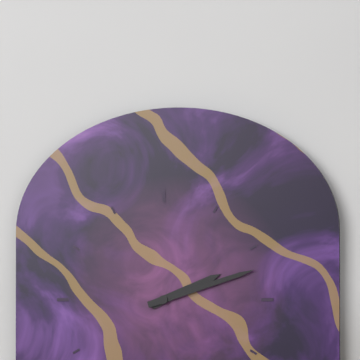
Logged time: {"hour": 2, "minute": 12}
